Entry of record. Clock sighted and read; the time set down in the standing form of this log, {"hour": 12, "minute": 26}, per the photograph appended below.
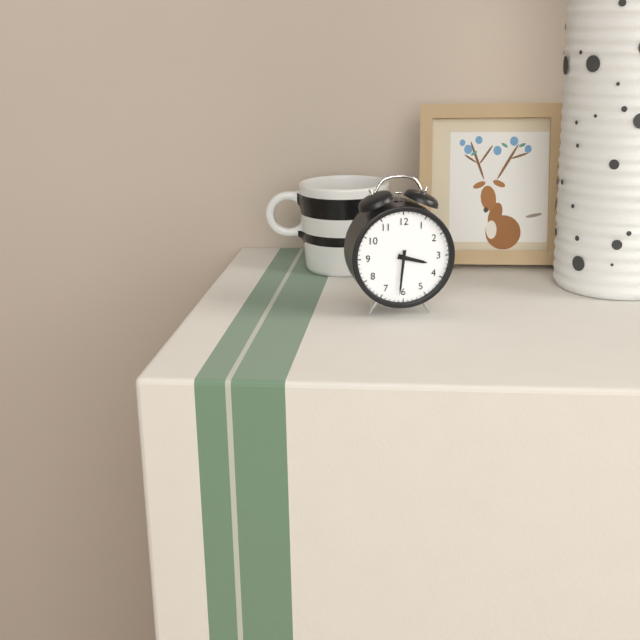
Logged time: {"hour": 3, "minute": 31}
